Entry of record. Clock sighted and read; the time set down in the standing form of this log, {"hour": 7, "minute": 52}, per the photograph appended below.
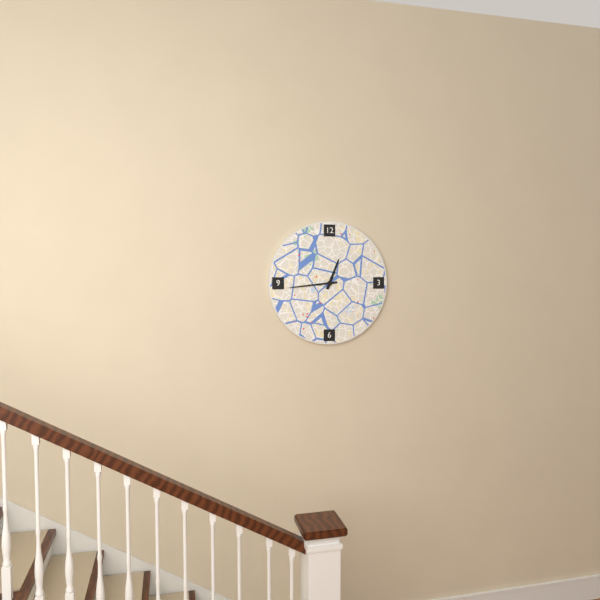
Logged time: {"hour": 12, "minute": 44}
